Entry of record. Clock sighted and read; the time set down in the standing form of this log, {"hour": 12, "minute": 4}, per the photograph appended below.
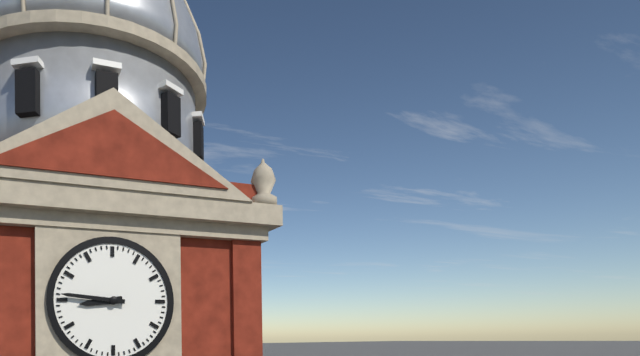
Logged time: {"hour": 8, "minute": 46}
